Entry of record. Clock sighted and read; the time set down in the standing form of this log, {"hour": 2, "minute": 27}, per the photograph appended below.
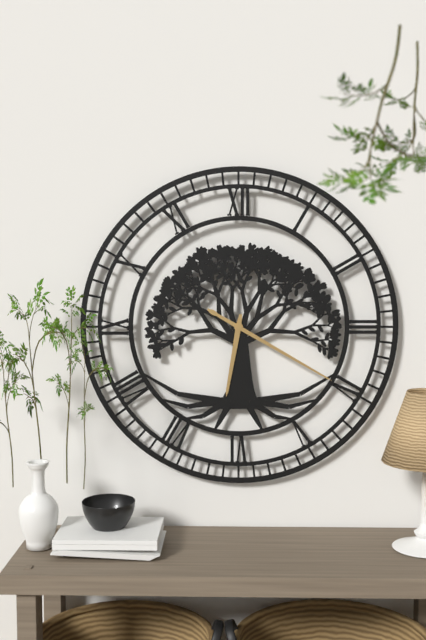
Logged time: {"hour": 6, "minute": 20}
